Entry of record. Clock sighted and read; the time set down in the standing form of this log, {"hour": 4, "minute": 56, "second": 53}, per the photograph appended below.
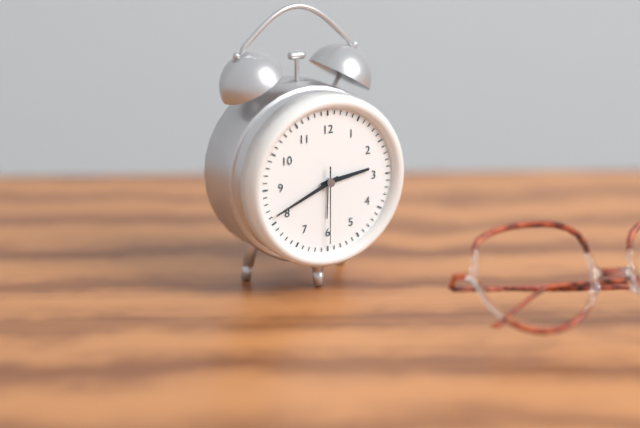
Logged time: {"hour": 2, "minute": 41, "second": 30}
